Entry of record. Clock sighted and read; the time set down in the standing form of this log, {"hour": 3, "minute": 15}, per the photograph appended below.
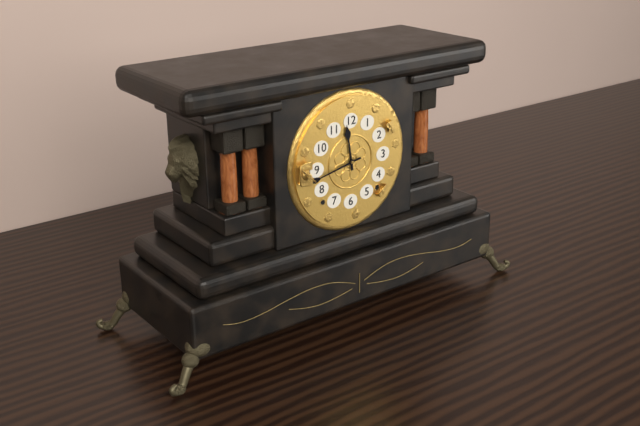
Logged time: {"hour": 11, "minute": 43}
